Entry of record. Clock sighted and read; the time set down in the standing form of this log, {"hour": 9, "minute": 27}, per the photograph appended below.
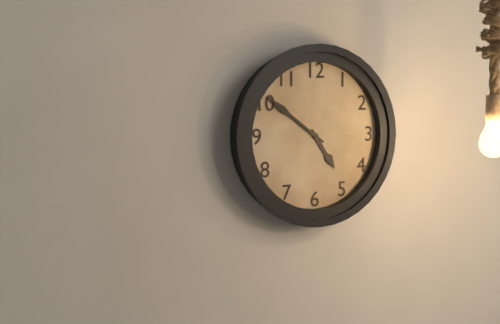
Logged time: {"hour": 4, "minute": 51}
